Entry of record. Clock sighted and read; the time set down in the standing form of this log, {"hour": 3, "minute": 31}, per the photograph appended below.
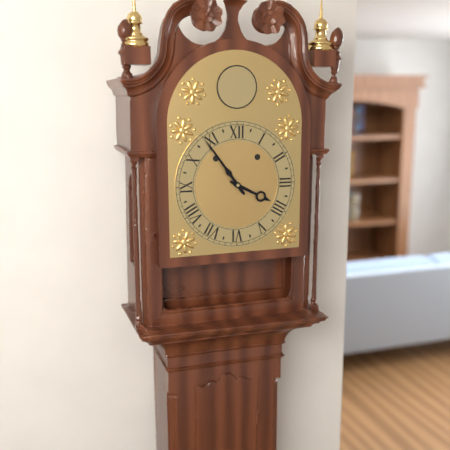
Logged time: {"hour": 3, "minute": 54}
